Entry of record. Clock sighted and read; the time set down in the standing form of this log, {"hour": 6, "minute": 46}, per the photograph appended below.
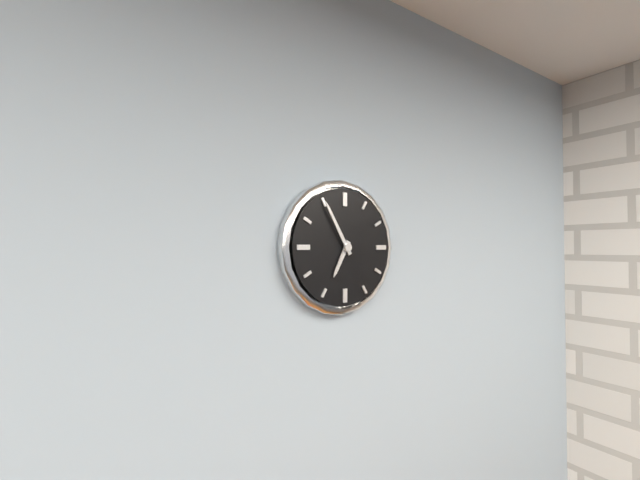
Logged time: {"hour": 6, "minute": 55}
